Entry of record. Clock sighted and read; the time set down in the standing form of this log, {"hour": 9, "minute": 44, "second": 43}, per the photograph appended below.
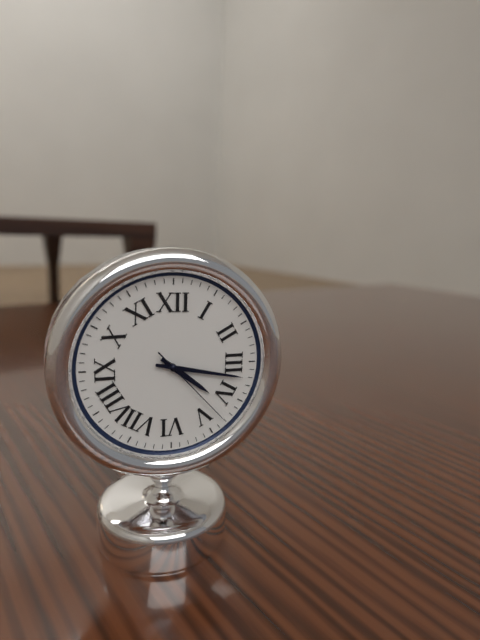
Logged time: {"hour": 4, "minute": 17, "second": 23}
